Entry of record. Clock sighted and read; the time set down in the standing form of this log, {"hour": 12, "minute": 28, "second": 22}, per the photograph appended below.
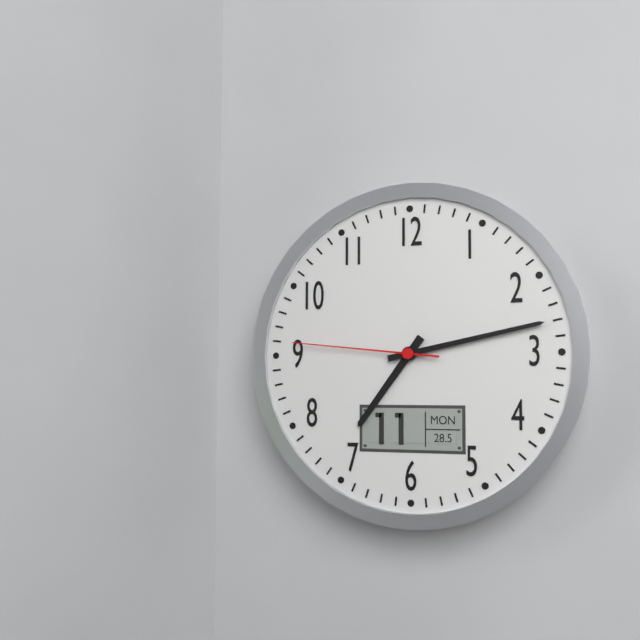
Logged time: {"hour": 7, "minute": 13, "second": 46}
